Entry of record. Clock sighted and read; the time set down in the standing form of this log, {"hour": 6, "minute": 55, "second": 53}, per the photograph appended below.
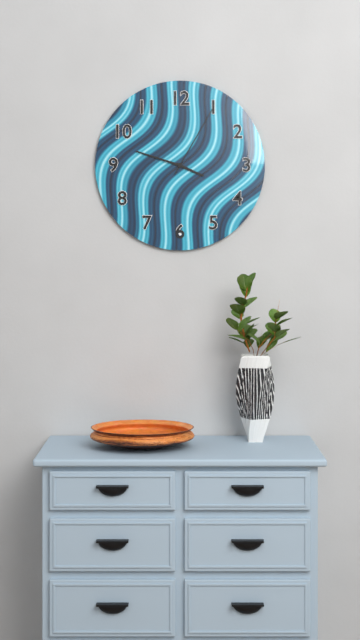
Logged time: {"hour": 3, "minute": 48, "second": 5}
